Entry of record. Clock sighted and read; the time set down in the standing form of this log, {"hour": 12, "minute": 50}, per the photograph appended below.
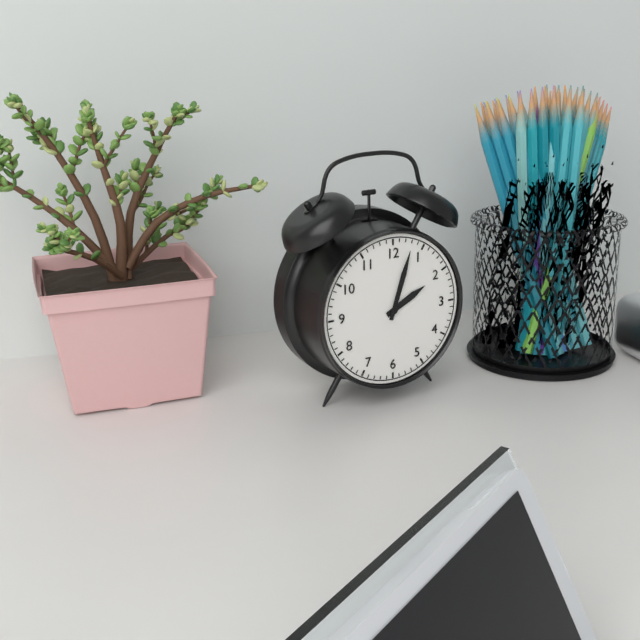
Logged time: {"hour": 2, "minute": 3}
